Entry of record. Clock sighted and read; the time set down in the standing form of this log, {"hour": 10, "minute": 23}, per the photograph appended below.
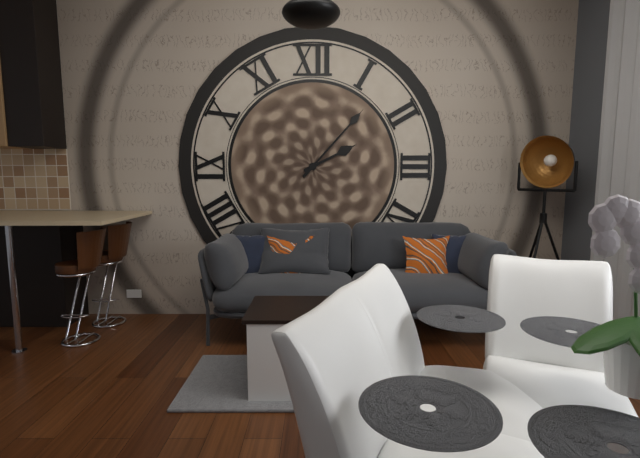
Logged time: {"hour": 2, "minute": 7}
